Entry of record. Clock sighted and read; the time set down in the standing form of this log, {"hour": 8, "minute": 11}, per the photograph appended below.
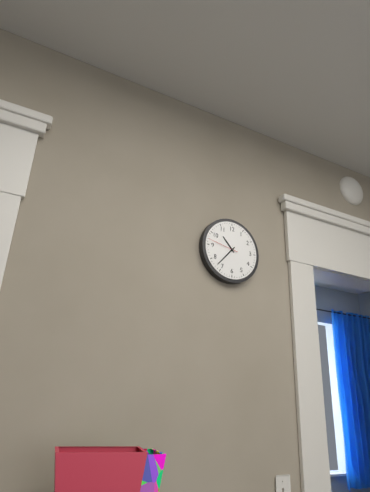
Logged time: {"hour": 10, "minute": 37}
